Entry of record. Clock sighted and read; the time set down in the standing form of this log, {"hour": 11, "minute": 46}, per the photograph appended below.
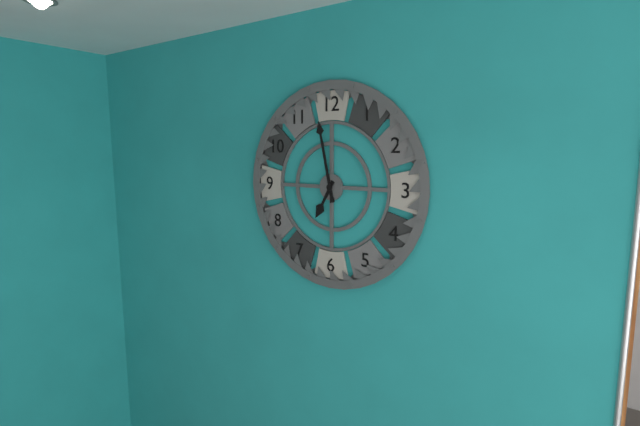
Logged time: {"hour": 6, "minute": 58}
